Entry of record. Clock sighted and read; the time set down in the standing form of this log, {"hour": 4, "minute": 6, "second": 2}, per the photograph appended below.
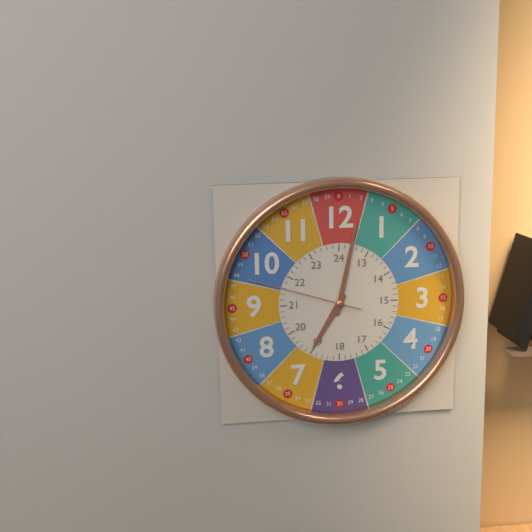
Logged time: {"hour": 7, "minute": 2, "second": 48}
